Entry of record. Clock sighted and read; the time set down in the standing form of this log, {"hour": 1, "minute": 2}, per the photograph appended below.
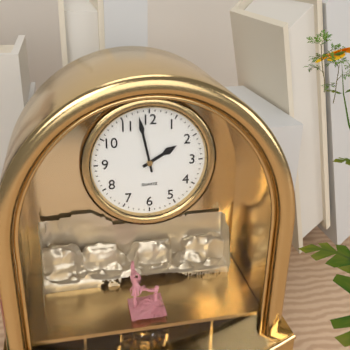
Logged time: {"hour": 1, "minute": 58}
